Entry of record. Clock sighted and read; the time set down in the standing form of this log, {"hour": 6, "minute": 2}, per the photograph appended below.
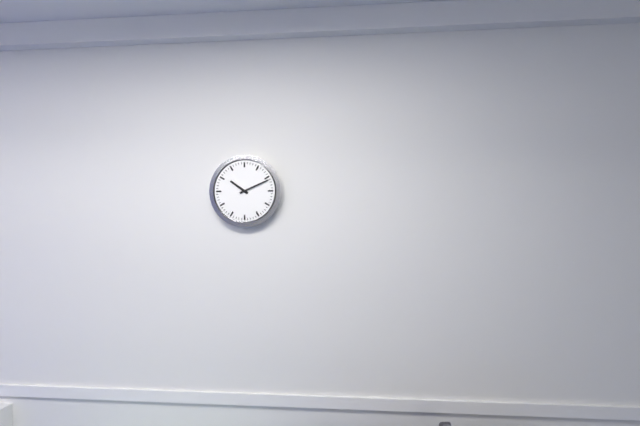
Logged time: {"hour": 10, "minute": 11}
